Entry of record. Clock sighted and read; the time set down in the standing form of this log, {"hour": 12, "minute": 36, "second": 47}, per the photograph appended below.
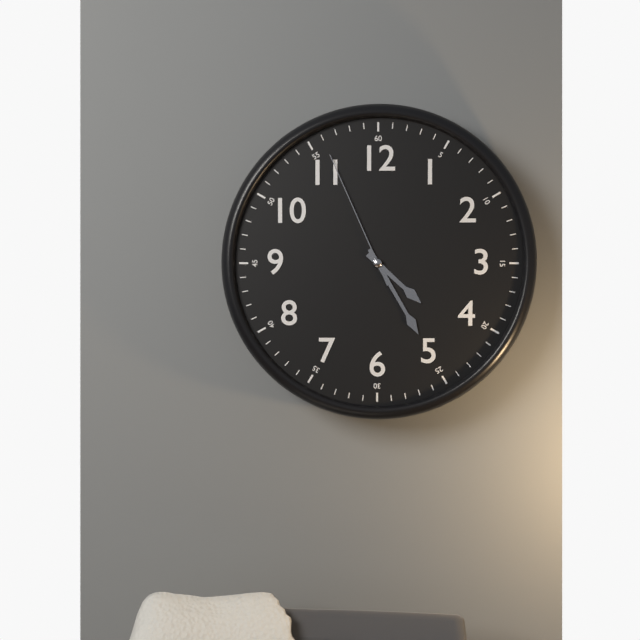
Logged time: {"hour": 4, "minute": 25, "second": 56}
